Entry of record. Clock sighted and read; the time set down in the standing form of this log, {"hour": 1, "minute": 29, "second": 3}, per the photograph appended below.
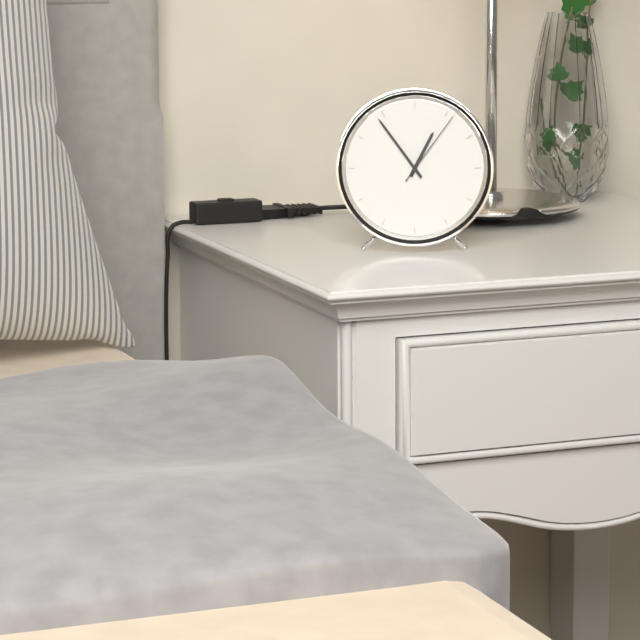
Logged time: {"hour": 12, "minute": 54, "second": 6}
